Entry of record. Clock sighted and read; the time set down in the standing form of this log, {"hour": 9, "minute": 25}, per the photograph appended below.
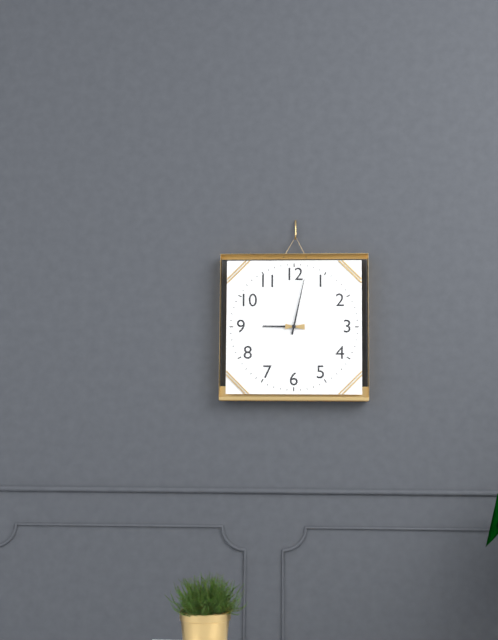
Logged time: {"hour": 9, "minute": 2}
